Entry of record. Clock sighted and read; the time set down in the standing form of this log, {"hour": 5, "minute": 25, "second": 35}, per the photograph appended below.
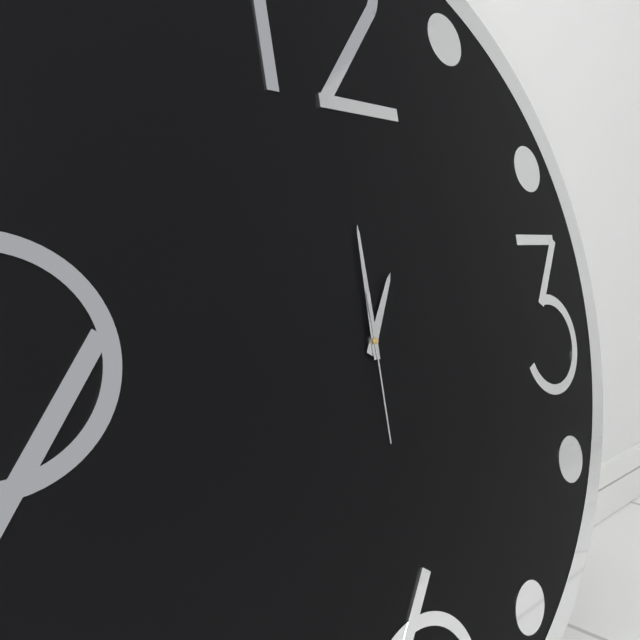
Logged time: {"hour": 1, "minute": 0, "second": 30}
